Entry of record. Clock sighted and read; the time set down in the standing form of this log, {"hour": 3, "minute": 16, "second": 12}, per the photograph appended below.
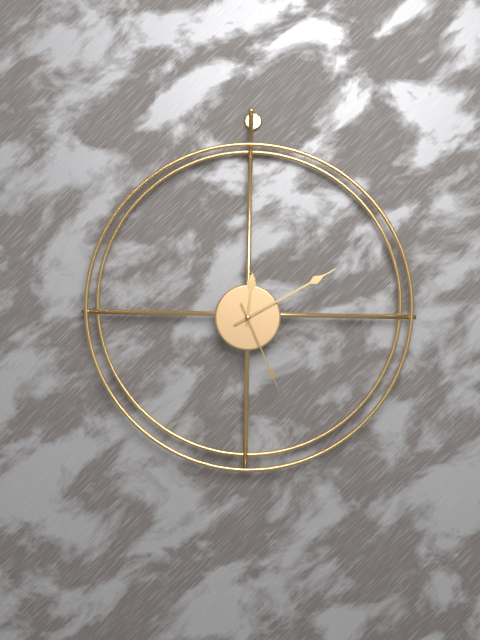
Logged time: {"hour": 12, "minute": 10, "second": 26}
